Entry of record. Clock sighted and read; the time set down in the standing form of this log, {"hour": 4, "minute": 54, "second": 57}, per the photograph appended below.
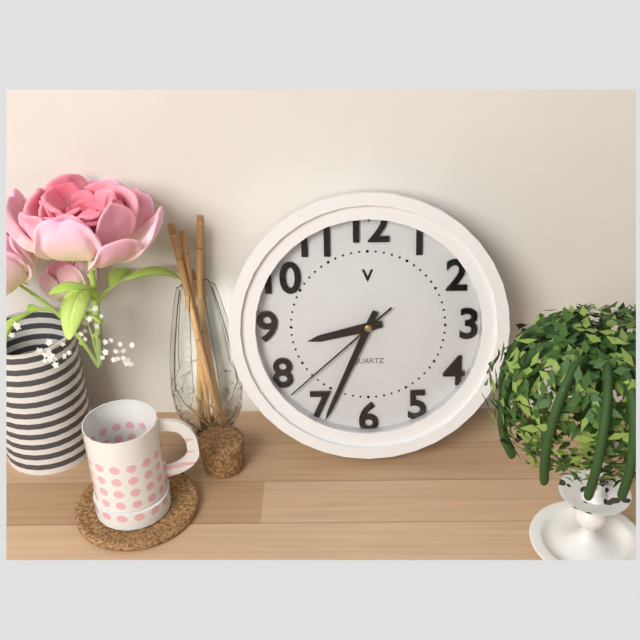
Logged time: {"hour": 8, "minute": 34, "second": 38}
